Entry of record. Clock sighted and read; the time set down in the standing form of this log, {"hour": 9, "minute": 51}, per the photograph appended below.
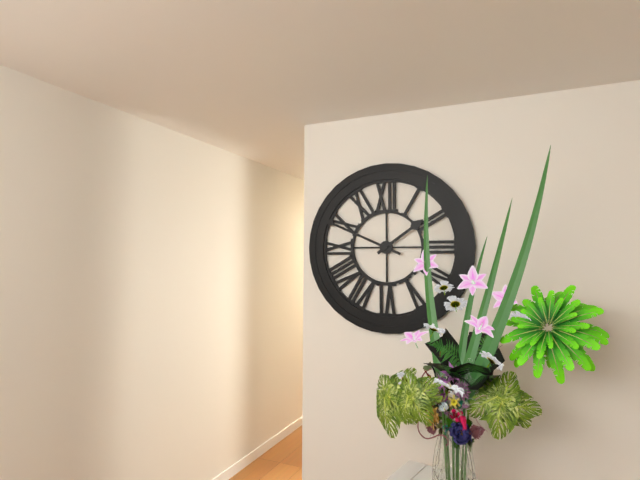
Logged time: {"hour": 1, "minute": 49}
